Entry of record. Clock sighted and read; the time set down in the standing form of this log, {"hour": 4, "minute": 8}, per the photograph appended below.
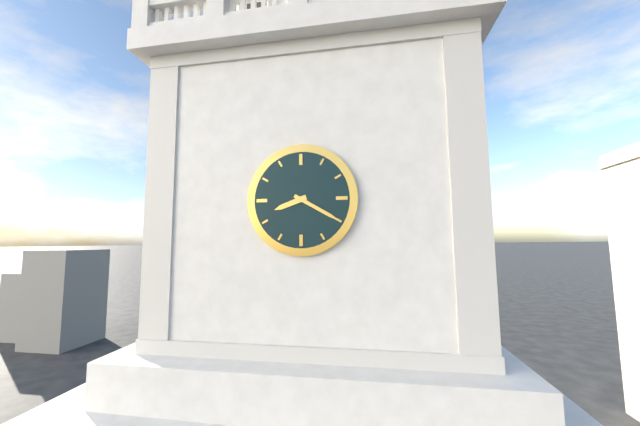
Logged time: {"hour": 8, "minute": 20}
